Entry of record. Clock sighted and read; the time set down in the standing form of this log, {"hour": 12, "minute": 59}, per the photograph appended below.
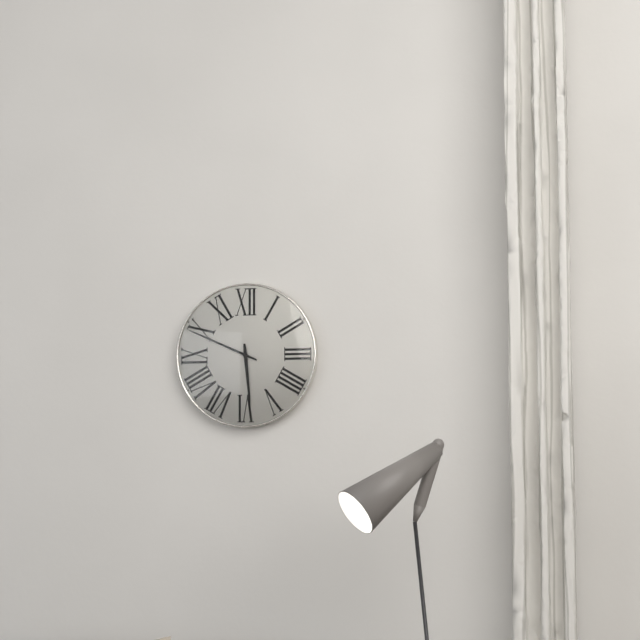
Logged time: {"hour": 5, "minute": 49}
